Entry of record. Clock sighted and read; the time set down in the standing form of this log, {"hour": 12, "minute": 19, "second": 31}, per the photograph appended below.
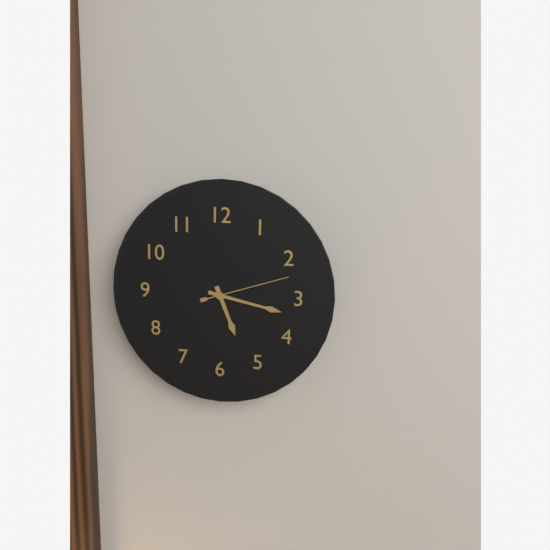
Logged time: {"hour": 5, "minute": 17, "second": 12}
